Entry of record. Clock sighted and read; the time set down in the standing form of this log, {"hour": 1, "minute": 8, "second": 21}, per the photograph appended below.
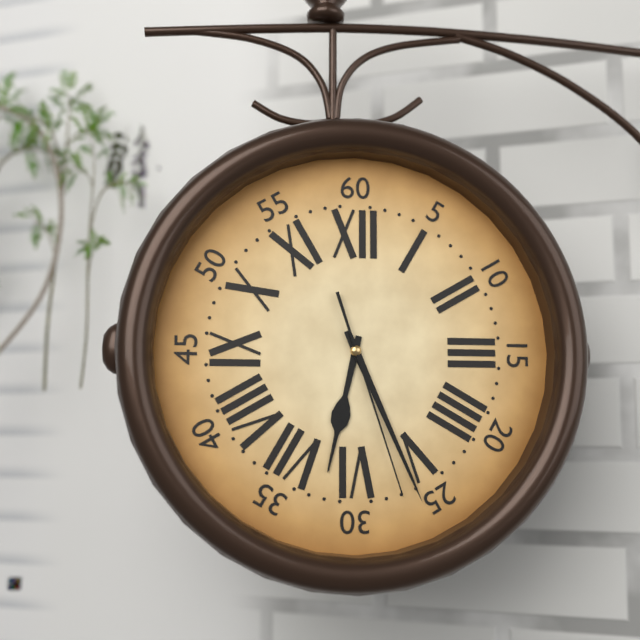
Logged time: {"hour": 6, "minute": 26, "second": 27}
